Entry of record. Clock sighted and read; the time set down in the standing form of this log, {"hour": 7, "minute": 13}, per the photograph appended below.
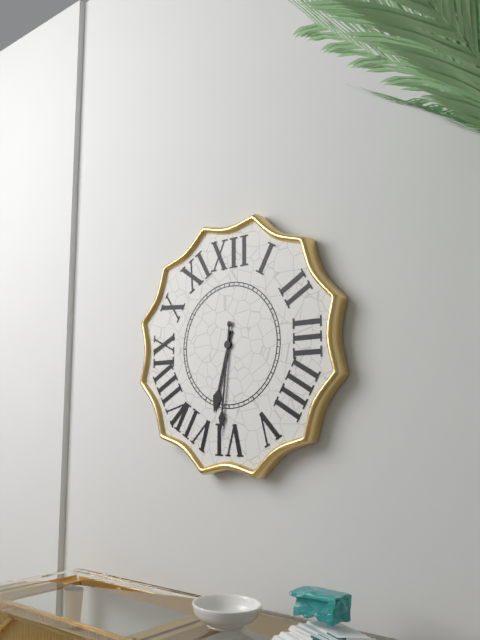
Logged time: {"hour": 6, "minute": 31}
